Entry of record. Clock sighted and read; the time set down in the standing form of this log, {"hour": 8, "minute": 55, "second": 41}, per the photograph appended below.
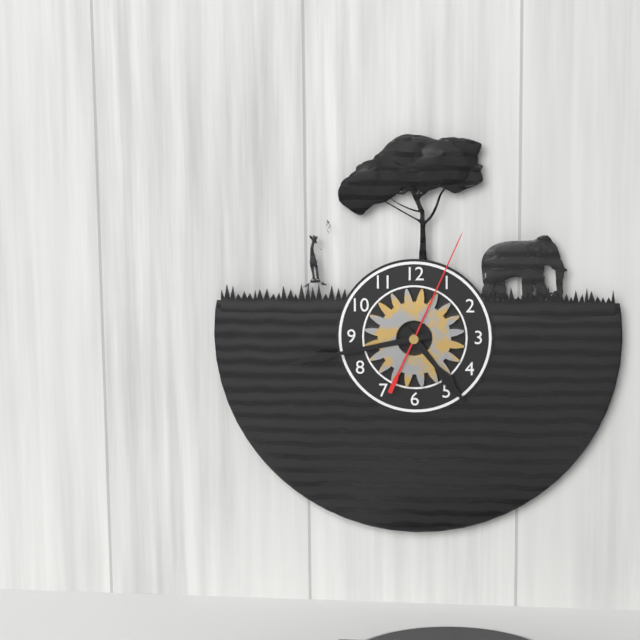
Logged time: {"hour": 4, "minute": 43, "second": 4}
